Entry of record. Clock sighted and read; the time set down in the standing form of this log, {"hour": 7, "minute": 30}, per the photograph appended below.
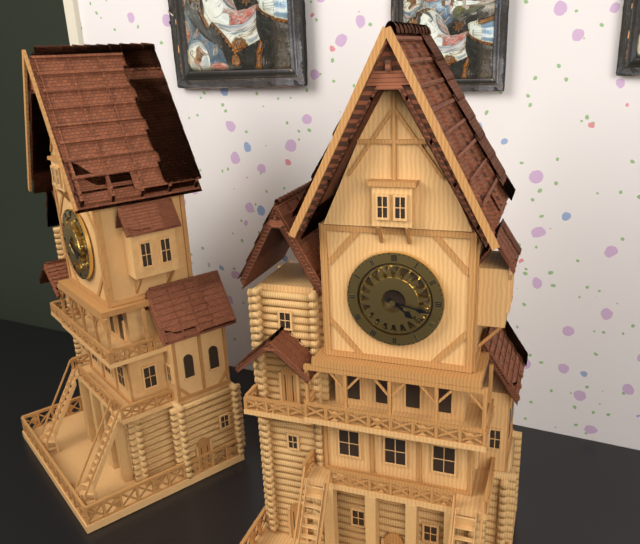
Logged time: {"hour": 4, "minute": 17}
